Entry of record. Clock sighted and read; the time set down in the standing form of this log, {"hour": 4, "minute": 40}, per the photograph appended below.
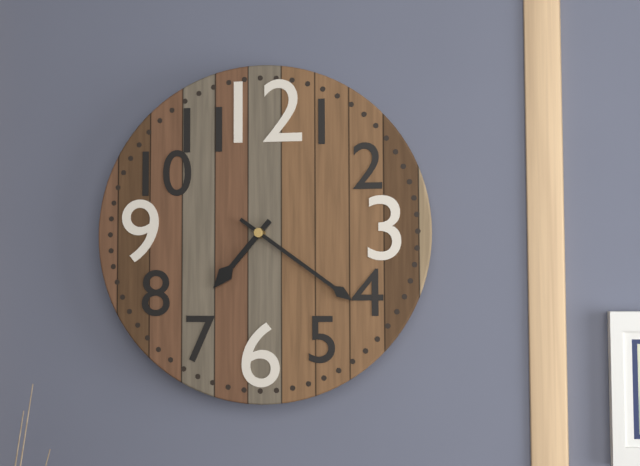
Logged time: {"hour": 7, "minute": 21}
